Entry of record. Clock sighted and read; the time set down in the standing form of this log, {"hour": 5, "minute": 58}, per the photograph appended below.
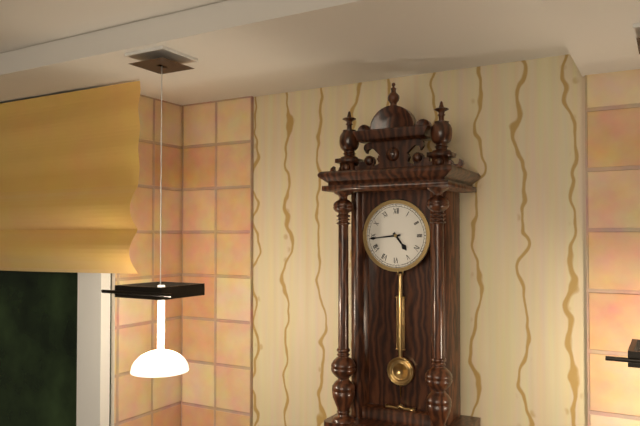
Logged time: {"hour": 4, "minute": 44}
